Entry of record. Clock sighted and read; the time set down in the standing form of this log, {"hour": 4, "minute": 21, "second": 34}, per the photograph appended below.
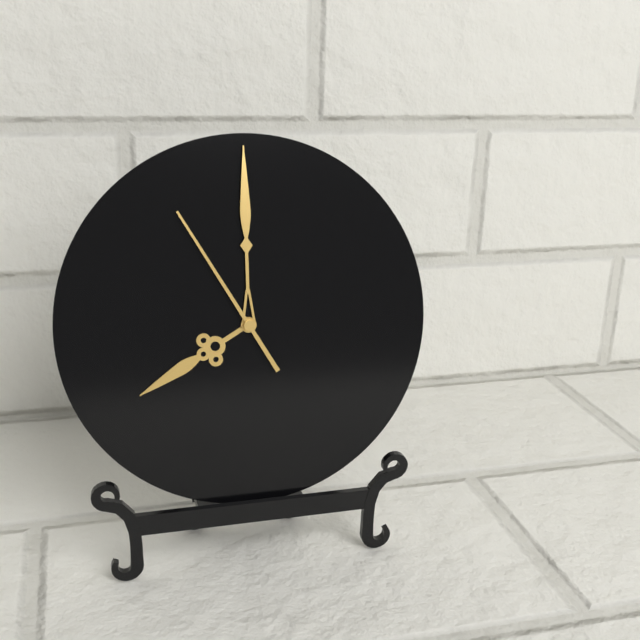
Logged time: {"hour": 8, "minute": 0, "second": 55}
